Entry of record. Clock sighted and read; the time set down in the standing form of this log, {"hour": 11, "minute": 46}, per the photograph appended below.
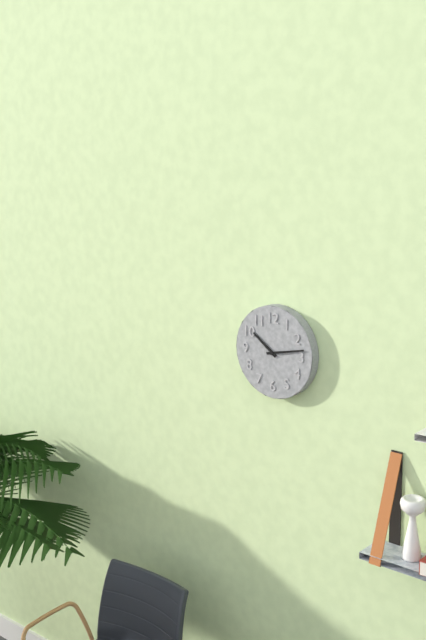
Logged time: {"hour": 10, "minute": 13}
